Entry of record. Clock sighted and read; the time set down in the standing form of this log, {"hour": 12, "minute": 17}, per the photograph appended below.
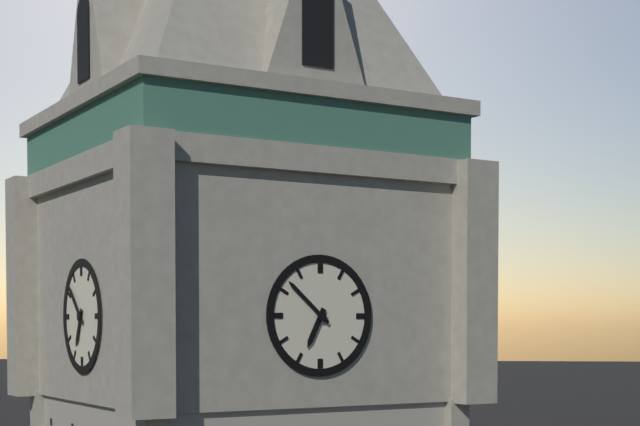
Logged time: {"hour": 6, "minute": 52}
